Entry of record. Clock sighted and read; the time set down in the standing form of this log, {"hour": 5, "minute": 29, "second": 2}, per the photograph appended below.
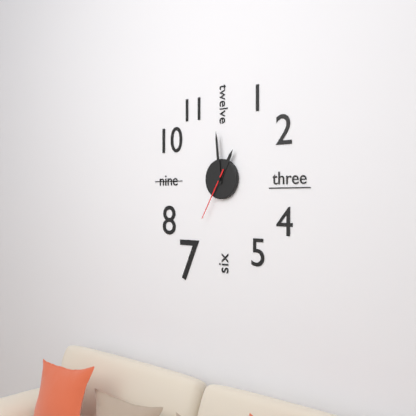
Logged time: {"hour": 12, "minute": 59, "second": 35}
